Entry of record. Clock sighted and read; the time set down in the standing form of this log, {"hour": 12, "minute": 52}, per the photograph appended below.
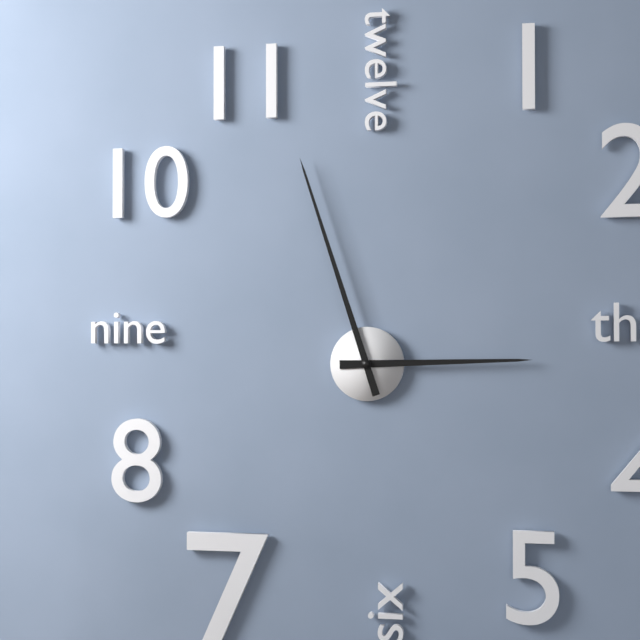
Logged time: {"hour": 2, "minute": 57}
